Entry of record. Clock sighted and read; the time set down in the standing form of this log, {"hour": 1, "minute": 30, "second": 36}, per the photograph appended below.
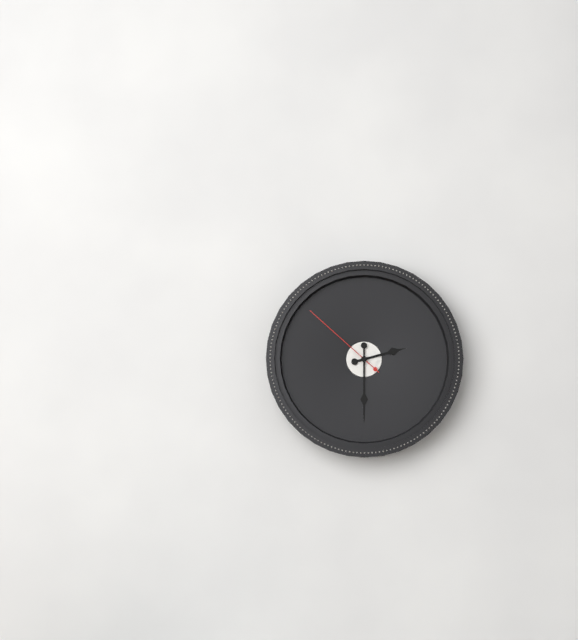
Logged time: {"hour": 2, "minute": 30, "second": 52}
